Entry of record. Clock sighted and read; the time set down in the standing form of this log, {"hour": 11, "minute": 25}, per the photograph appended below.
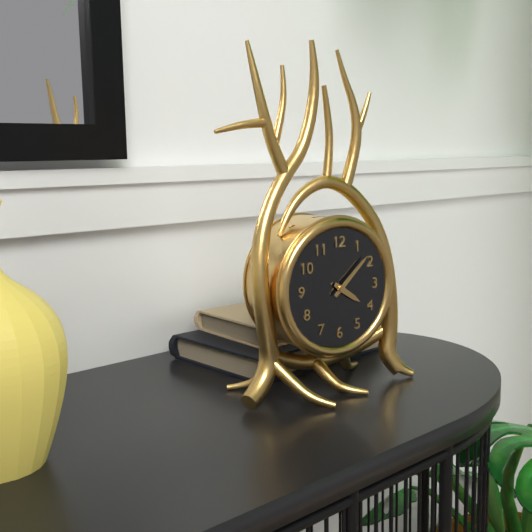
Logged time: {"hour": 4, "minute": 8}
